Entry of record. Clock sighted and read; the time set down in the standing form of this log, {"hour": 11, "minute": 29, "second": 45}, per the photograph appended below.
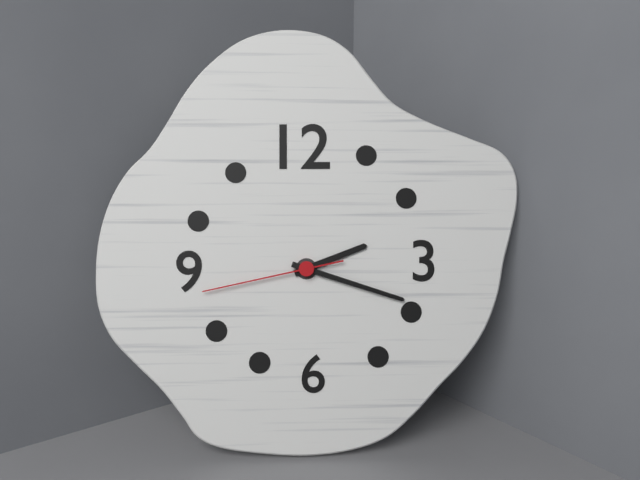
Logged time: {"hour": 2, "minute": 18, "second": 43}
